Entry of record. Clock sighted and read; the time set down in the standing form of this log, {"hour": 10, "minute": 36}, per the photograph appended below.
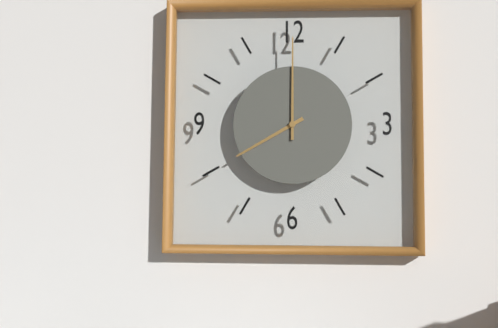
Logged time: {"hour": 8, "minute": 0}
